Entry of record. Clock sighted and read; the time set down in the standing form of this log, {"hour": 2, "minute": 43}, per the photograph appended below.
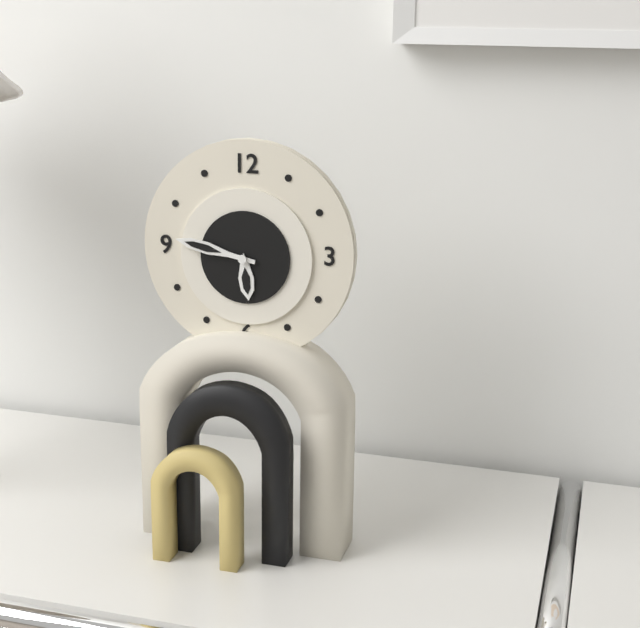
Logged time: {"hour": 5, "minute": 47}
